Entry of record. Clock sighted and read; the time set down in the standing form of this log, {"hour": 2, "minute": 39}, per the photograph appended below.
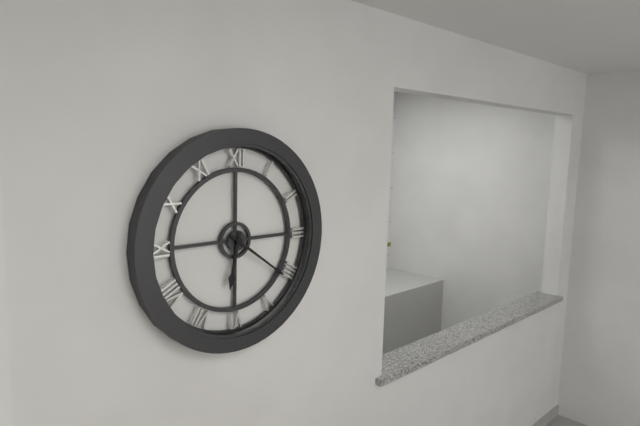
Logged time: {"hour": 6, "minute": 21}
